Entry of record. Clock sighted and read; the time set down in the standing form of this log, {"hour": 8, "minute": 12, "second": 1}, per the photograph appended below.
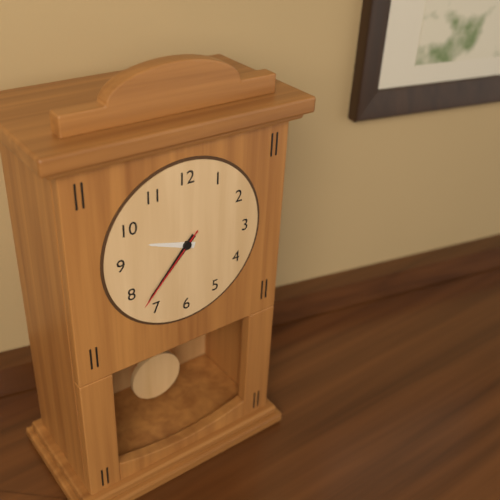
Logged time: {"hour": 9, "minute": 37, "second": 37}
